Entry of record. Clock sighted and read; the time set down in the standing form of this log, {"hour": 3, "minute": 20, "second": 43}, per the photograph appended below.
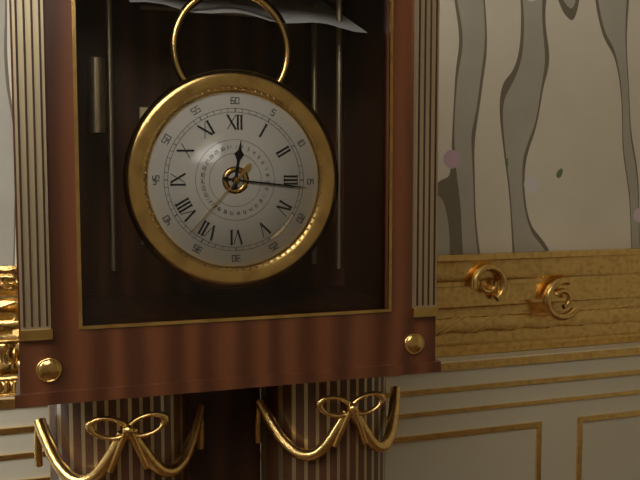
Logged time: {"hour": 12, "minute": 16, "second": 37}
